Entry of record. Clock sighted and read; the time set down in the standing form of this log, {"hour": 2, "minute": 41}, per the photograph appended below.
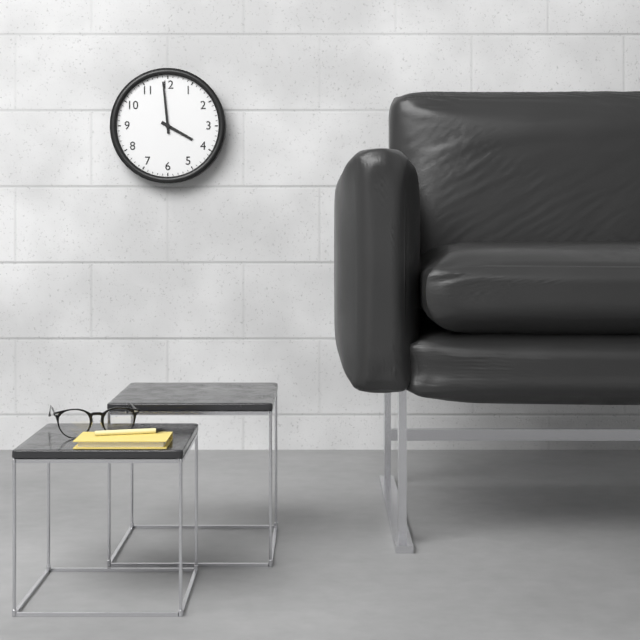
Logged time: {"hour": 3, "minute": 59}
